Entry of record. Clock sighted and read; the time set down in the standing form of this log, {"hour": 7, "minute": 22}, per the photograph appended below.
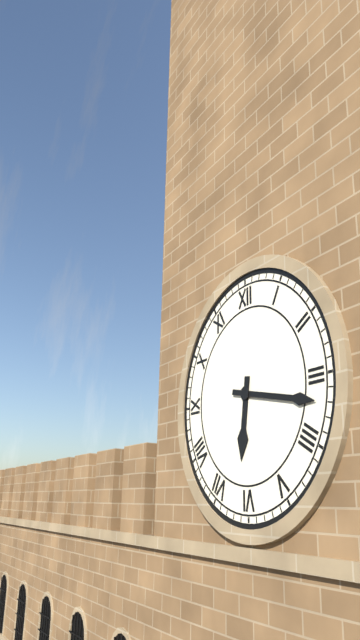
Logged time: {"hour": 6, "minute": 17}
